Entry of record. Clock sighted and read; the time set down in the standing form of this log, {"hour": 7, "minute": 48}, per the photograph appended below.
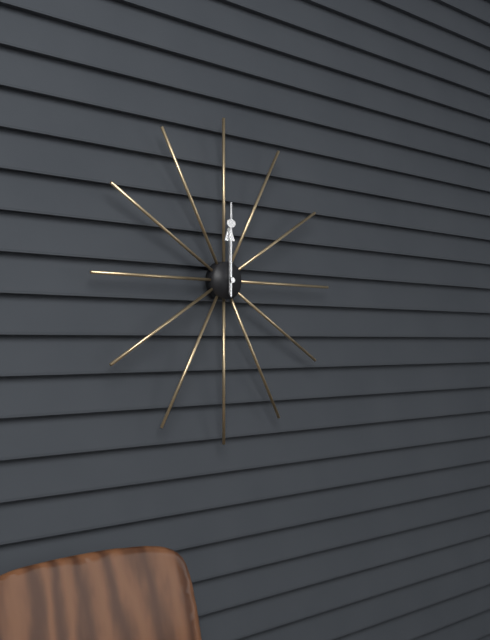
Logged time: {"hour": 12, "minute": 0}
